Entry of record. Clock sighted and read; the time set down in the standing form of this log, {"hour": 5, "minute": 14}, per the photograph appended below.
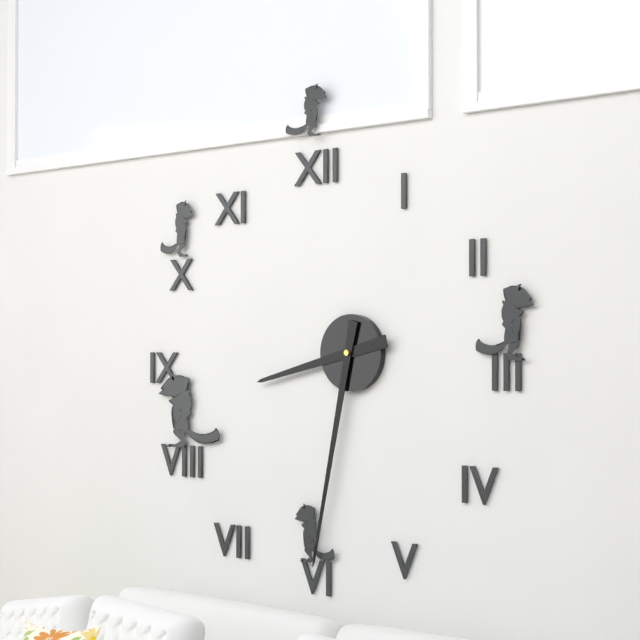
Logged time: {"hour": 8, "minute": 32}
